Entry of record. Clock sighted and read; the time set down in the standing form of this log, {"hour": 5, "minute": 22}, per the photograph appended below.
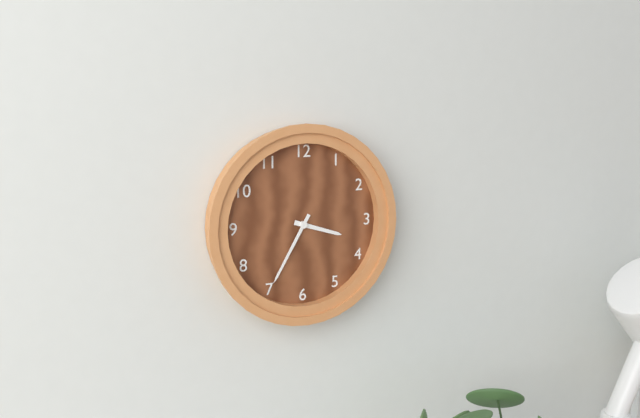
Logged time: {"hour": 3, "minute": 35}
